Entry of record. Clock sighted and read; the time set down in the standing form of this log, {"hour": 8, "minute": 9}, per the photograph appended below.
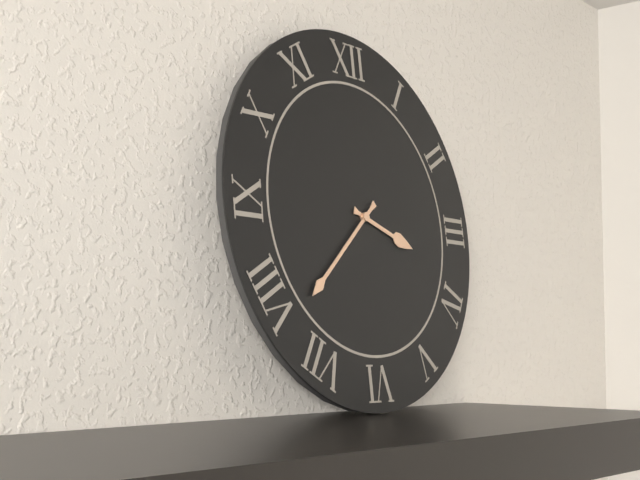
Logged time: {"hour": 3, "minute": 38}
